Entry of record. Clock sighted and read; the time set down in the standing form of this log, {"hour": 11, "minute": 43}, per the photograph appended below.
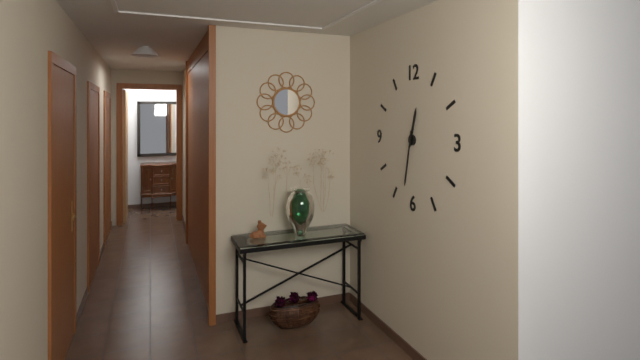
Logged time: {"hour": 12, "minute": 32}
